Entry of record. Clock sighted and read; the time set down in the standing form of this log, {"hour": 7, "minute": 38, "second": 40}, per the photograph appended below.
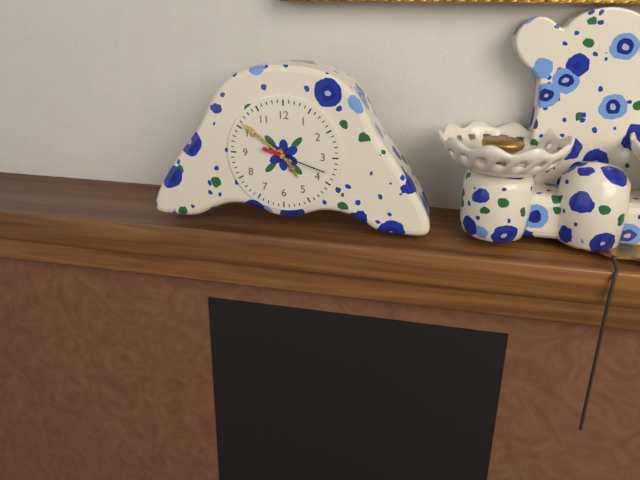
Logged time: {"hour": 4, "minute": 51, "second": 18}
